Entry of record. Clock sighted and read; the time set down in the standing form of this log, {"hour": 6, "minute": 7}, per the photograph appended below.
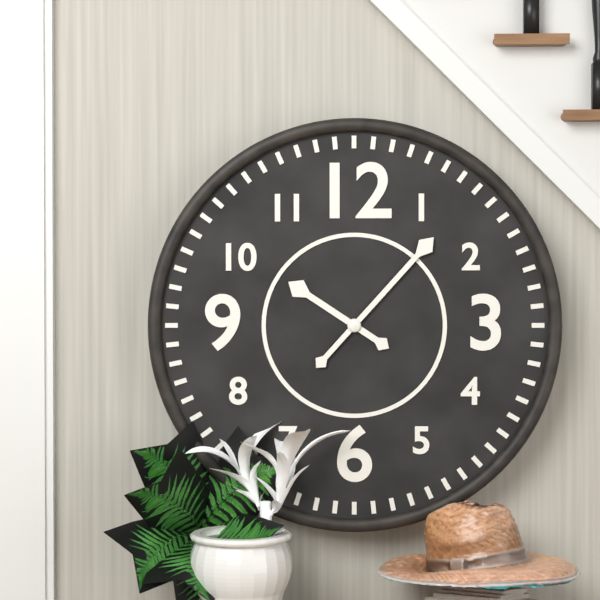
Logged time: {"hour": 10, "minute": 7}
